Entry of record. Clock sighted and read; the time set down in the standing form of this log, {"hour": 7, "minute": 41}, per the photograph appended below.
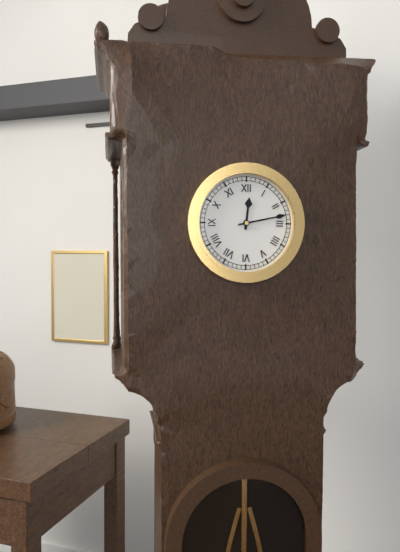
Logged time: {"hour": 12, "minute": 13}
